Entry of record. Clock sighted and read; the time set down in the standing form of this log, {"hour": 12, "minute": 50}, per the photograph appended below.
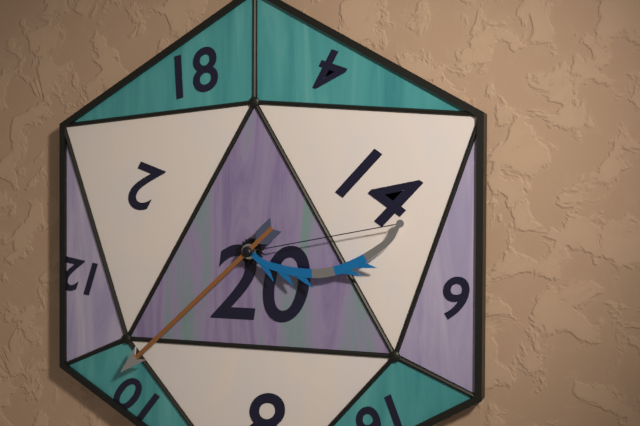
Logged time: {"hour": 2, "minute": 38}
